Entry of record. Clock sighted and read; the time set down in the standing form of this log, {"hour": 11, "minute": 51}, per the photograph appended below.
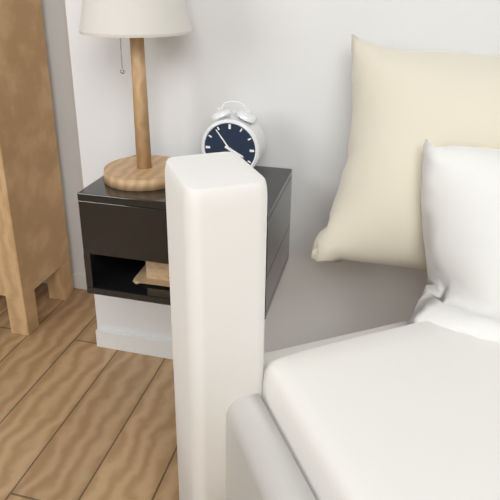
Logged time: {"hour": 3, "minute": 54}
